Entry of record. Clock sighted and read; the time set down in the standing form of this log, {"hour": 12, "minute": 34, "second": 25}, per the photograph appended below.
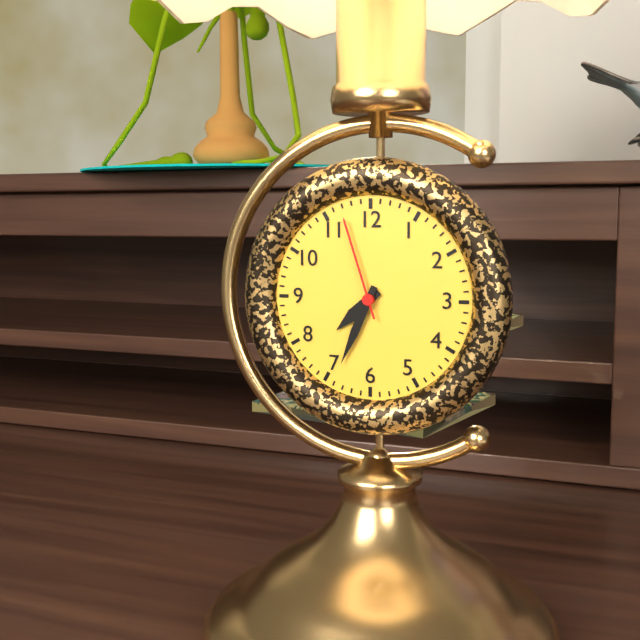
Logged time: {"hour": 7, "minute": 34, "second": 57}
